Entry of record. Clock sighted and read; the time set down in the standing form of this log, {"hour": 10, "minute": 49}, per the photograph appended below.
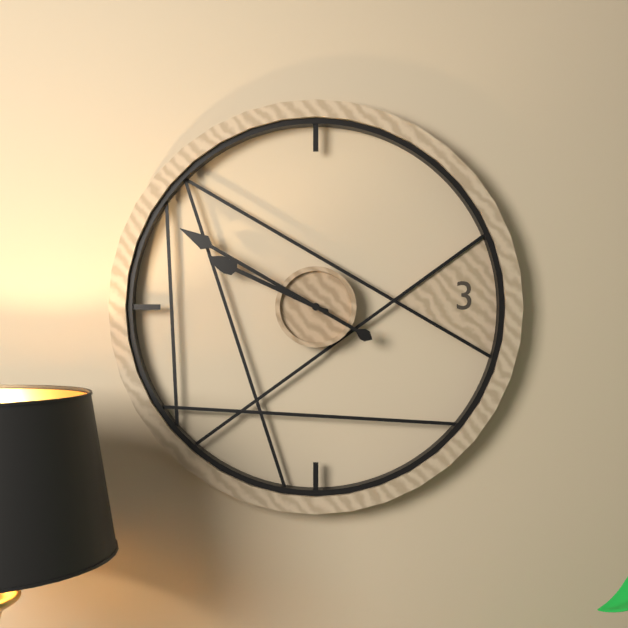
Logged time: {"hour": 9, "minute": 50}
